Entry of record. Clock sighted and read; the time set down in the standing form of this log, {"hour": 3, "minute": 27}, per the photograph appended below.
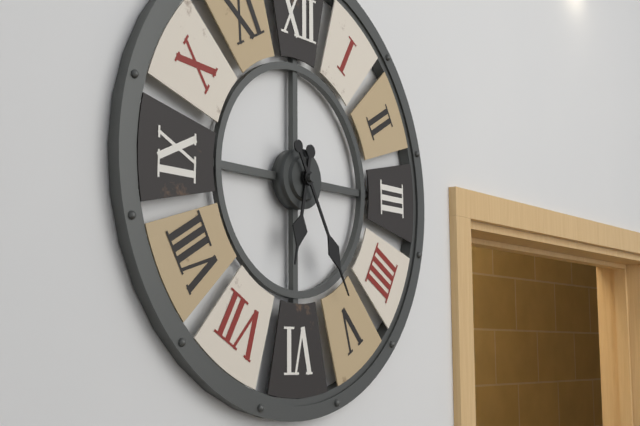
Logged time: {"hour": 6, "minute": 25}
